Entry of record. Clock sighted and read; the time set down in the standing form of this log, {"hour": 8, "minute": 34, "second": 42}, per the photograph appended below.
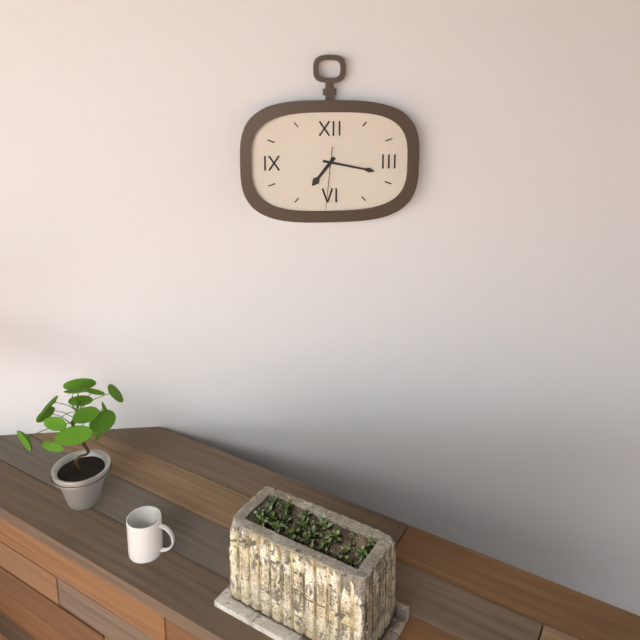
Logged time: {"hour": 7, "minute": 17, "second": 31}
